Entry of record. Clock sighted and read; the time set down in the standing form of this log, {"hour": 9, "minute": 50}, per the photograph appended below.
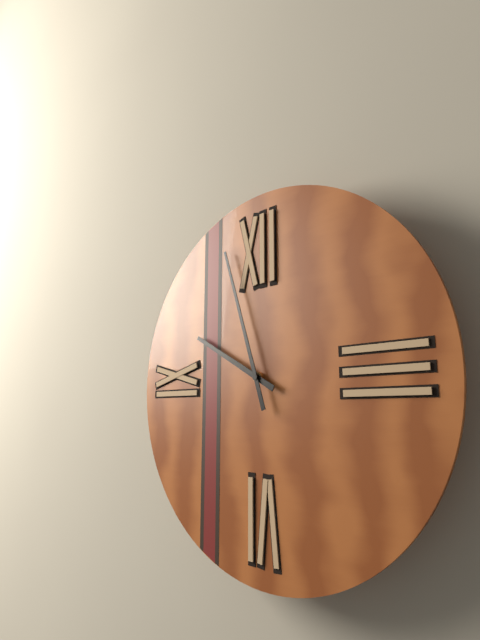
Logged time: {"hour": 9, "minute": 57}
